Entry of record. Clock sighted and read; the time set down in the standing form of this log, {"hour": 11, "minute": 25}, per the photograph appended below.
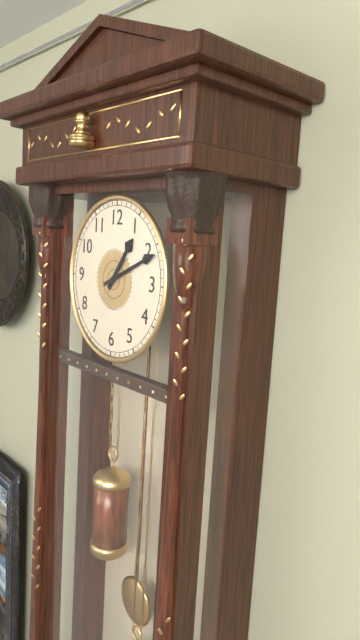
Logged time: {"hour": 1, "minute": 11}
